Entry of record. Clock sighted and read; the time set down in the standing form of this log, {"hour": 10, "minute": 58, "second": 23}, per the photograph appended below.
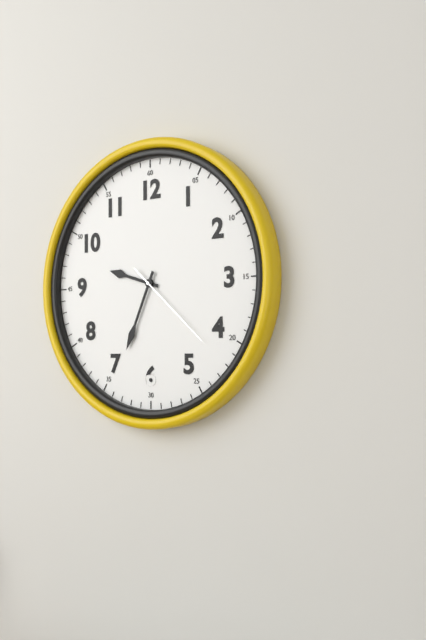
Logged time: {"hour": 9, "minute": 34, "second": 22}
